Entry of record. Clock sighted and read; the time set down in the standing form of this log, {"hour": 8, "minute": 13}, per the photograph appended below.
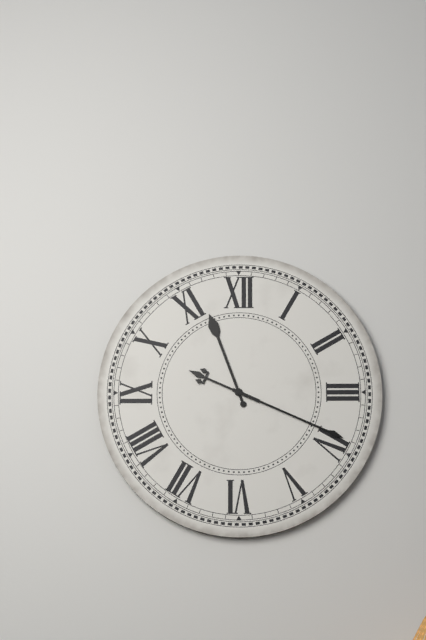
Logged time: {"hour": 11, "minute": 19}
